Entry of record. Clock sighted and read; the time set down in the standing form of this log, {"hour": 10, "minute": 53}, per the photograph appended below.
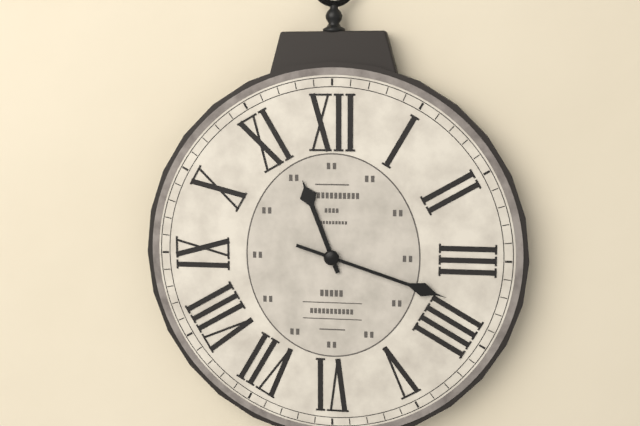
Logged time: {"hour": 11, "minute": 18}
